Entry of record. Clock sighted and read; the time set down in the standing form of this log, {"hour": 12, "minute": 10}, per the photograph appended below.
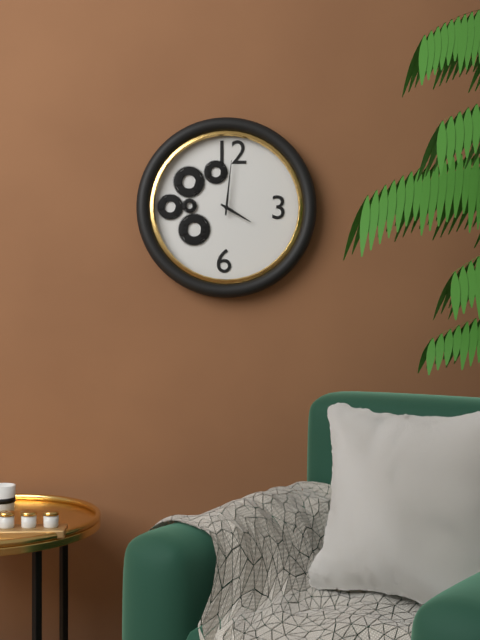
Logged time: {"hour": 4, "minute": 1}
